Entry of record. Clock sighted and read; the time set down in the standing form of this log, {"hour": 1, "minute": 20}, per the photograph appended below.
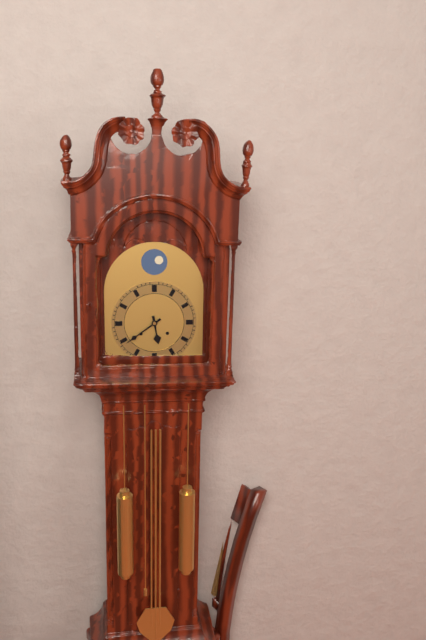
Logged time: {"hour": 5, "minute": 39}
